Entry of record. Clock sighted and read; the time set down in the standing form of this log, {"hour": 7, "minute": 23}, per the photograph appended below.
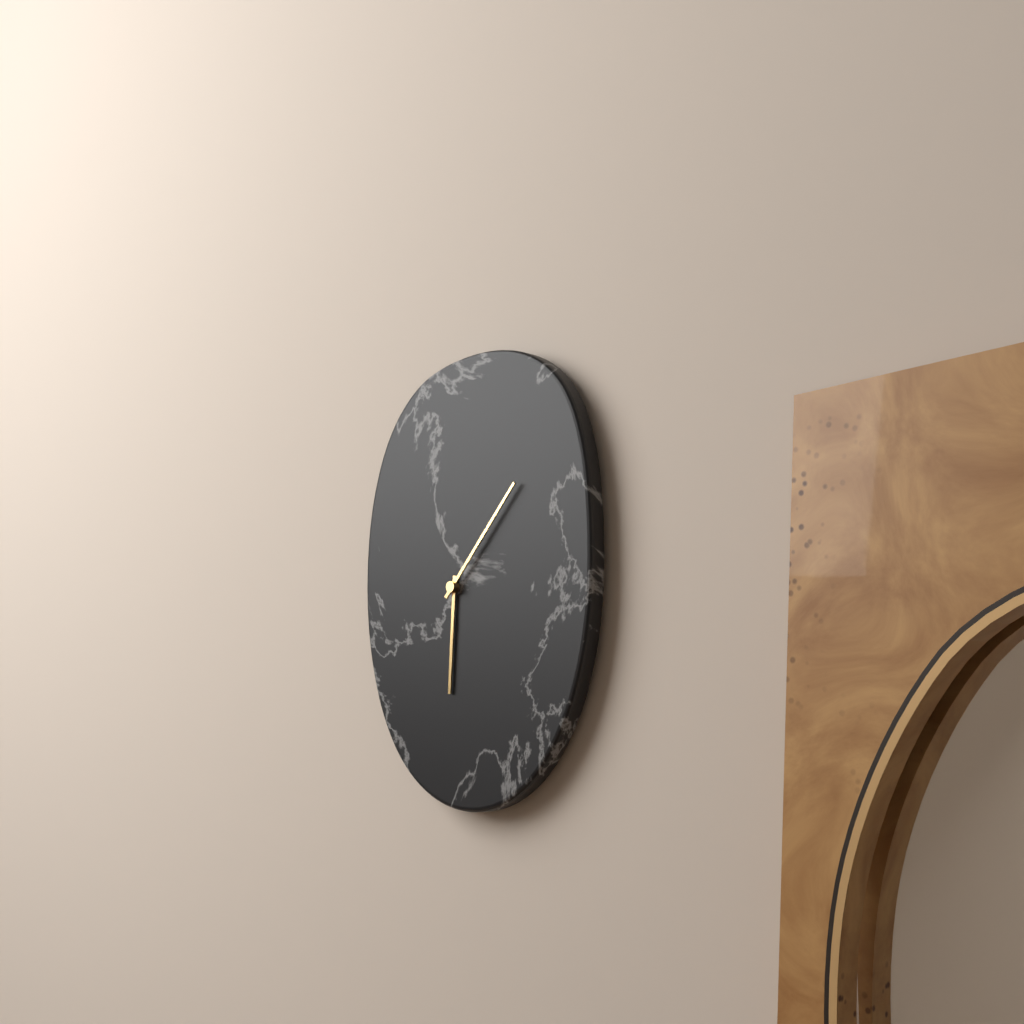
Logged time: {"hour": 6, "minute": 7}
